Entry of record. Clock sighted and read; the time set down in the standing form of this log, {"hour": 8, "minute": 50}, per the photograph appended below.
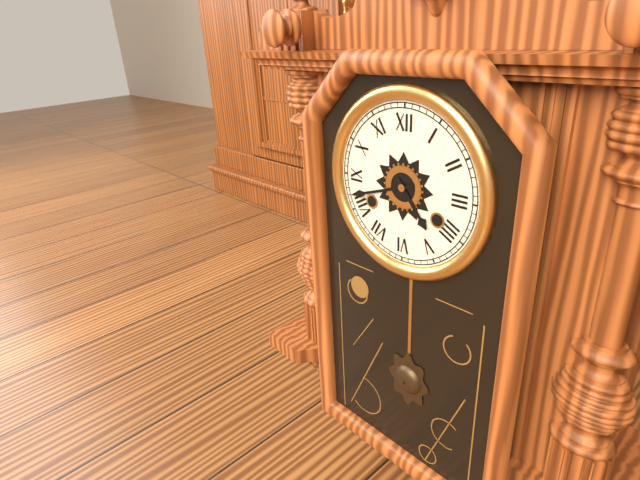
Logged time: {"hour": 4, "minute": 42}
